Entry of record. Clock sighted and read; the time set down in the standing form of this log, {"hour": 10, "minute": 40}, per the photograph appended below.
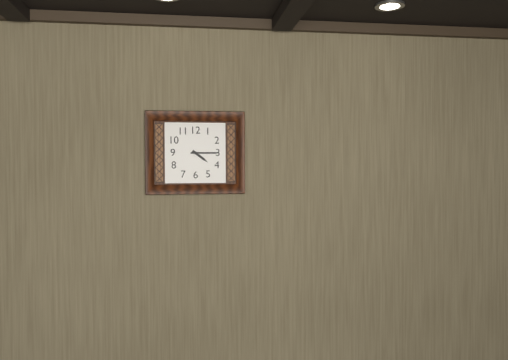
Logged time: {"hour": 4, "minute": 15}
